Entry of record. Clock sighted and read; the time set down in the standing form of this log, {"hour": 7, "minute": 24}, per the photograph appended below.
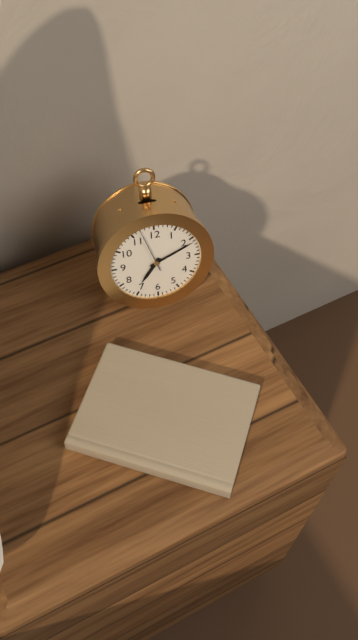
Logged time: {"hour": 7, "minute": 11}
